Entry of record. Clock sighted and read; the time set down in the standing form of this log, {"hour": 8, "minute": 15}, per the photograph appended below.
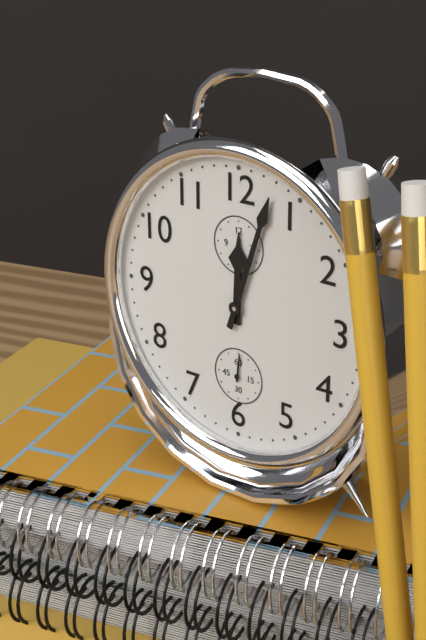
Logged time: {"hour": 12, "minute": 3}
